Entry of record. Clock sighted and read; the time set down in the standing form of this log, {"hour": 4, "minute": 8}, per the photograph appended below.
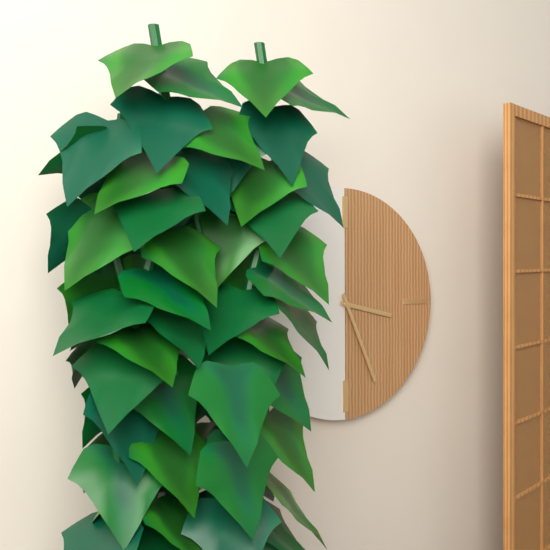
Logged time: {"hour": 3, "minute": 26}
